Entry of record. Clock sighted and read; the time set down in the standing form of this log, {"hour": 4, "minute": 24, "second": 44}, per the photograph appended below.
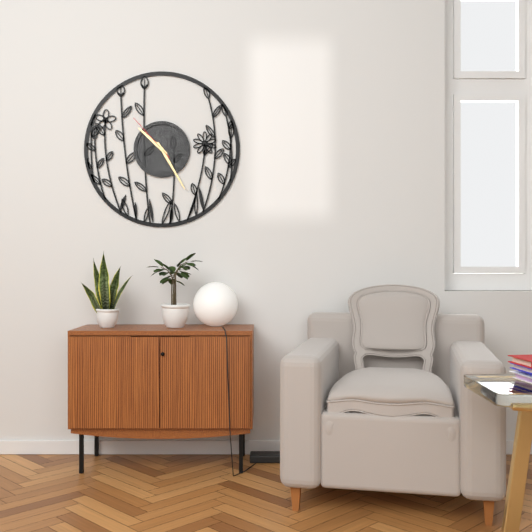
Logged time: {"hour": 10, "minute": 25, "second": 53}
